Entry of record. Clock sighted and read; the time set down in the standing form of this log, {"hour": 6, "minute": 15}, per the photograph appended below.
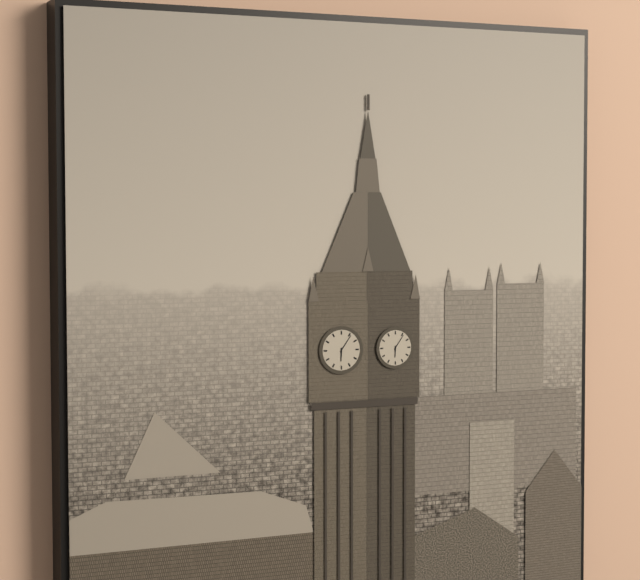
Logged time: {"hour": 6, "minute": 6}
